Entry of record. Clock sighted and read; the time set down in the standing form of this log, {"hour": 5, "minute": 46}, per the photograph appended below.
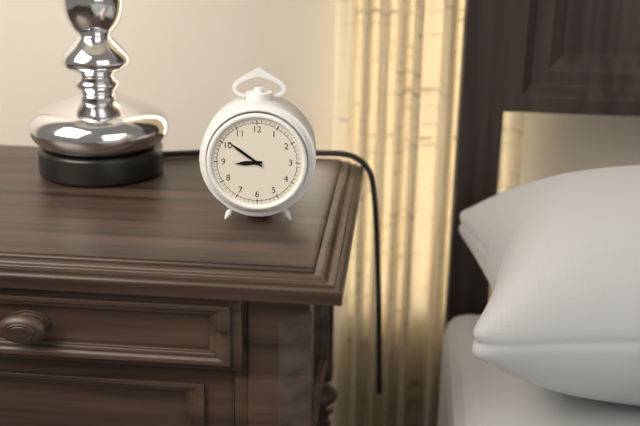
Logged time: {"hour": 8, "minute": 51}
